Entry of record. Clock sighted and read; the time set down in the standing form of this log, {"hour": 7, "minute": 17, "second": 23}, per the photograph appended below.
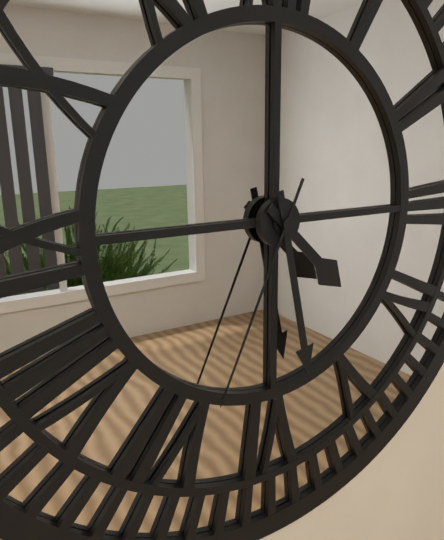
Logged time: {"hour": 4, "minute": 28, "second": 34}
